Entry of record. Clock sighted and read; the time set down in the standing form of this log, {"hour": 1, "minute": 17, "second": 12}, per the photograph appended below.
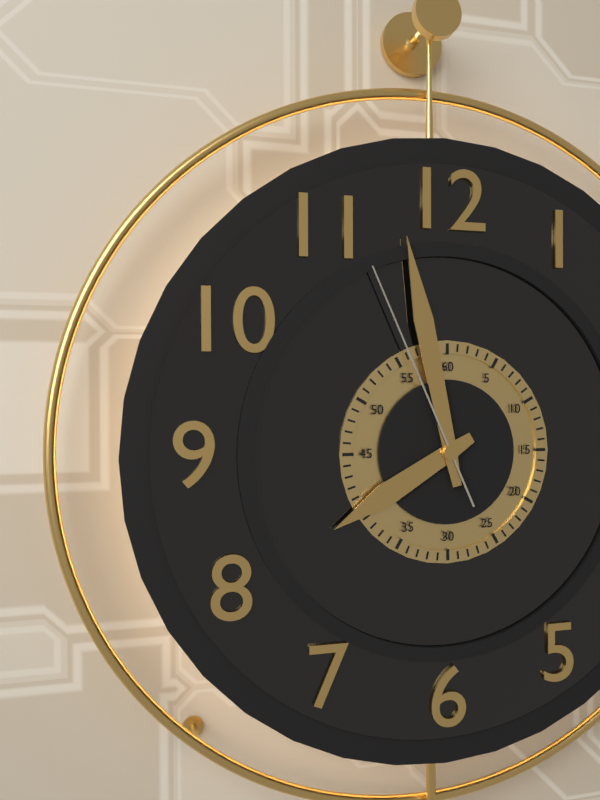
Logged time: {"hour": 7, "minute": 58, "second": 56}
